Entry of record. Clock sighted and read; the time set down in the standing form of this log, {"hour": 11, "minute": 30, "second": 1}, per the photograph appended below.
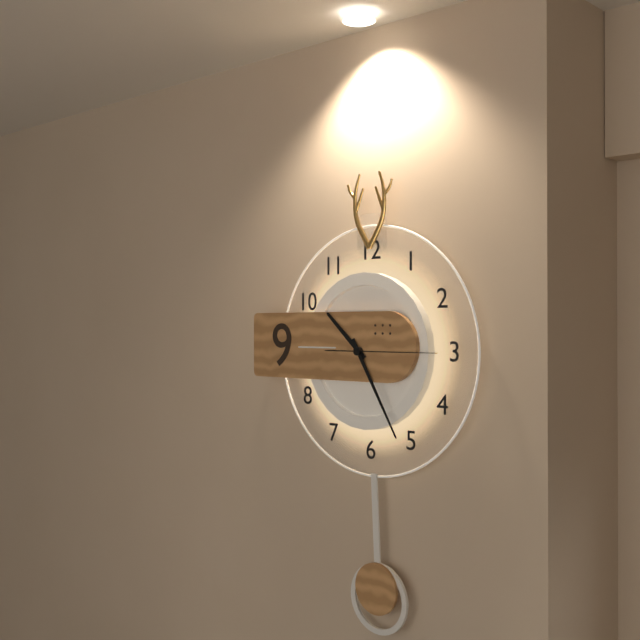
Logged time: {"hour": 10, "minute": 25, "second": 15}
